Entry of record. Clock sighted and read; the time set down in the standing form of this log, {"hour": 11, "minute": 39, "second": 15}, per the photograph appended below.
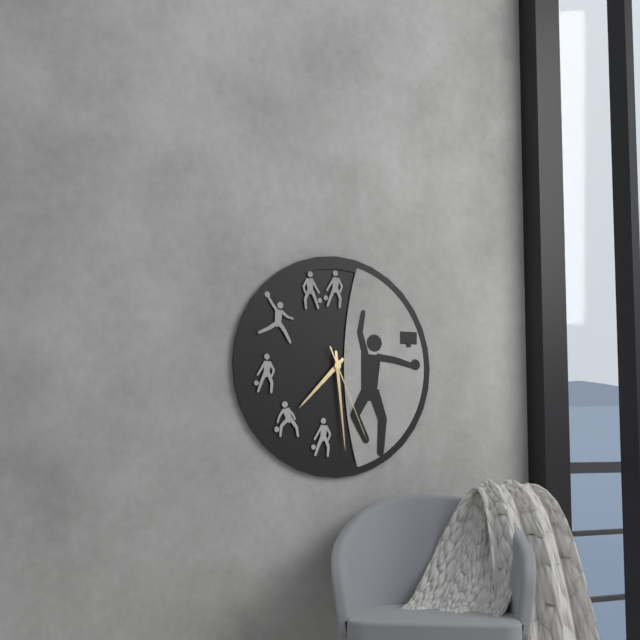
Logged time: {"hour": 7, "minute": 29, "second": 26}
